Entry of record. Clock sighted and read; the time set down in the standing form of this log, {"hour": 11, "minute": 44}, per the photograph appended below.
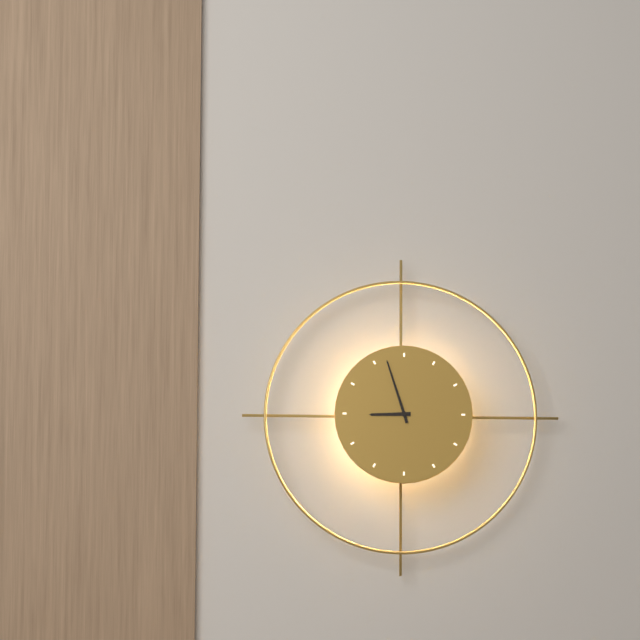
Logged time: {"hour": 8, "minute": 57}
